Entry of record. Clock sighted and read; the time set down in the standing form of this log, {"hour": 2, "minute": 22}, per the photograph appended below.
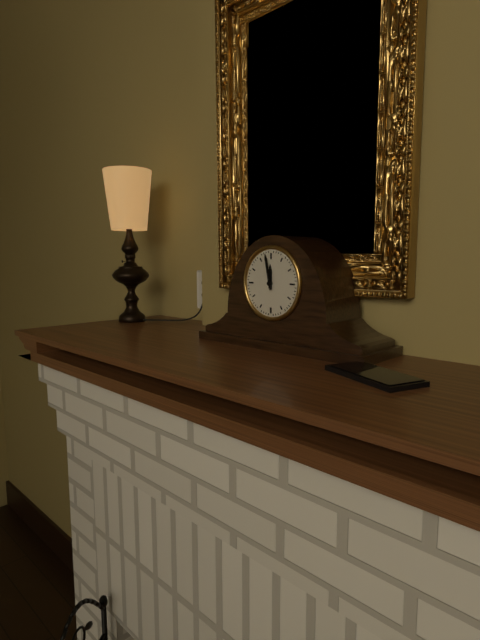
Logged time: {"hour": 11, "minute": 58}
